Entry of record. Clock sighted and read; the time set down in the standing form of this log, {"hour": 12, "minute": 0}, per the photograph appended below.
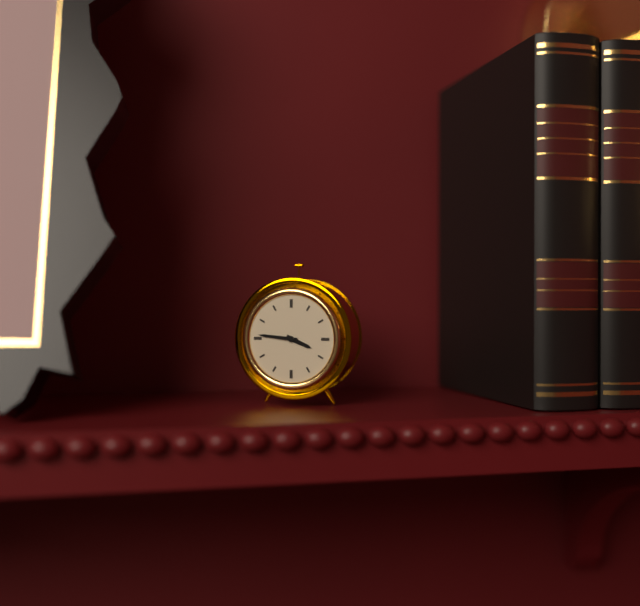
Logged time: {"hour": 3, "minute": 46}
